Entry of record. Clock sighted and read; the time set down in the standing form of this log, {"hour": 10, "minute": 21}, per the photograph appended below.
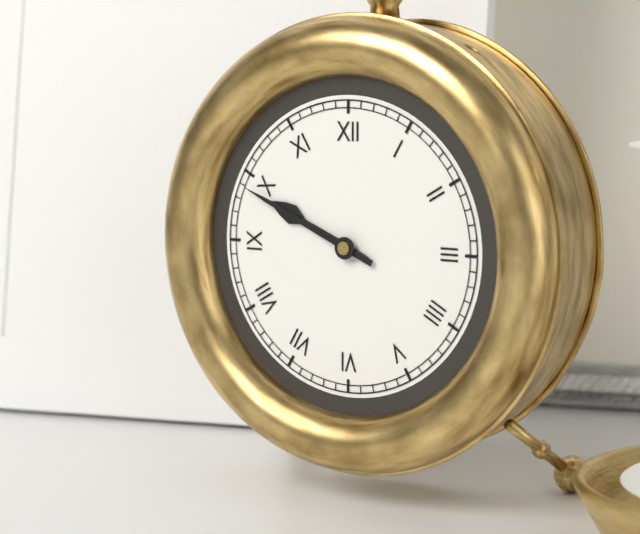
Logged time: {"hour": 9, "minute": 49}
